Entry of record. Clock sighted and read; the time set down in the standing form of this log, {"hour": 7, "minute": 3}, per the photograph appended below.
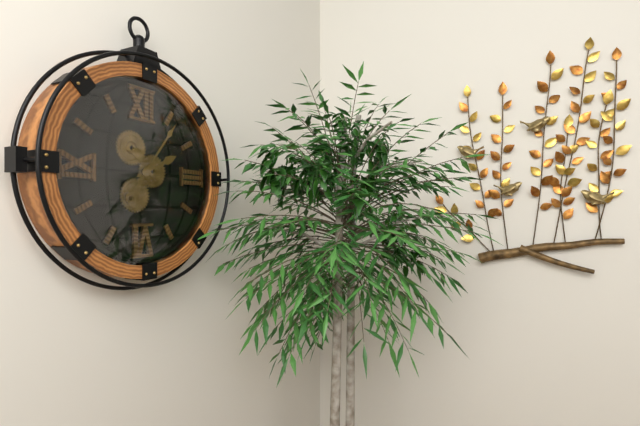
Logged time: {"hour": 2, "minute": 6}
